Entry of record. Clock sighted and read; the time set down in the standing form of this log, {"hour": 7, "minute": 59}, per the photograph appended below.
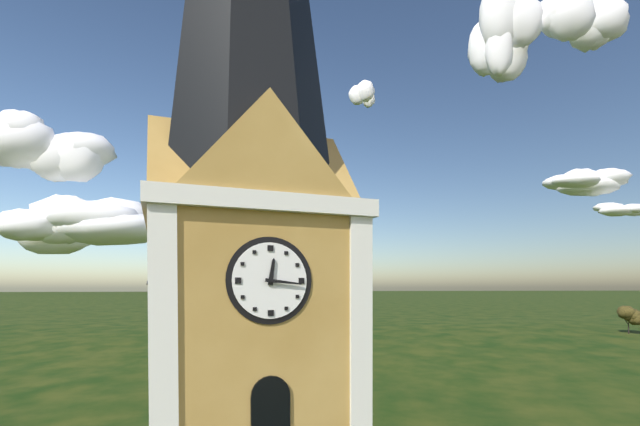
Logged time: {"hour": 12, "minute": 16}
